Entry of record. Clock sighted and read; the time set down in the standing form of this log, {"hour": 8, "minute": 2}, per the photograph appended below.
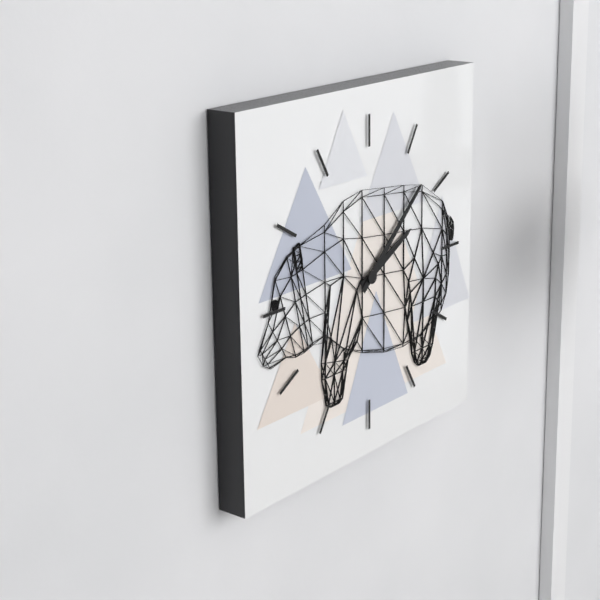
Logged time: {"hour": 2, "minute": 8}
